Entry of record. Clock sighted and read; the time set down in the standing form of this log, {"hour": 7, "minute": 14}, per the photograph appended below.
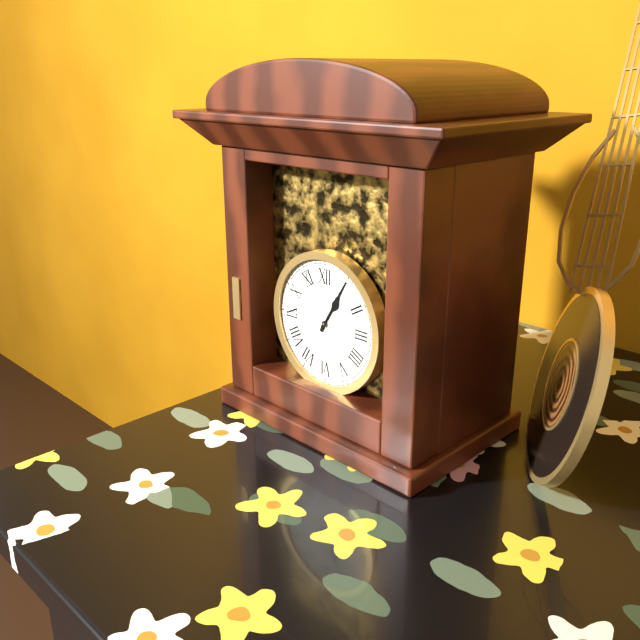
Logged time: {"hour": 1, "minute": 5}
